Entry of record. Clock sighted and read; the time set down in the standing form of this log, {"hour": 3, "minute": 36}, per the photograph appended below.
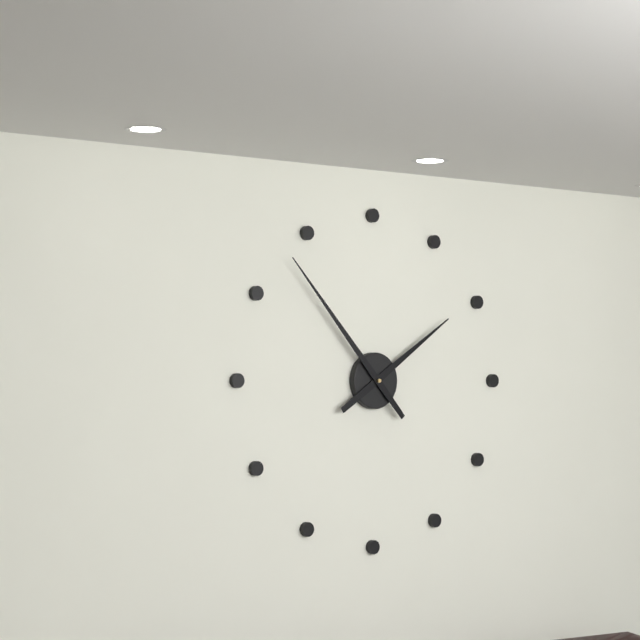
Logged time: {"hour": 1, "minute": 53}
